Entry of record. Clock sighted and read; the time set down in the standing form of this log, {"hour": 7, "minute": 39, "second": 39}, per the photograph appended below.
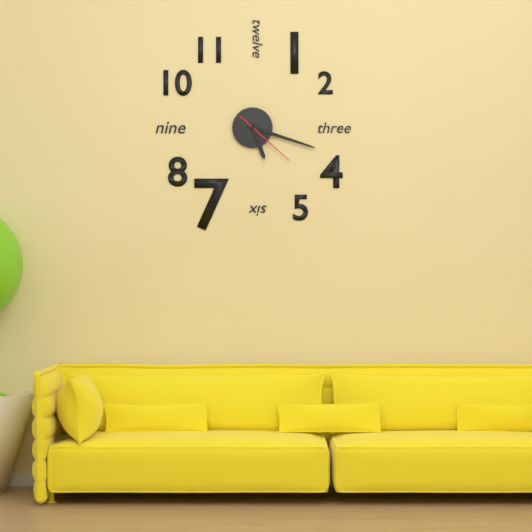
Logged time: {"hour": 5, "minute": 18, "second": 22}
